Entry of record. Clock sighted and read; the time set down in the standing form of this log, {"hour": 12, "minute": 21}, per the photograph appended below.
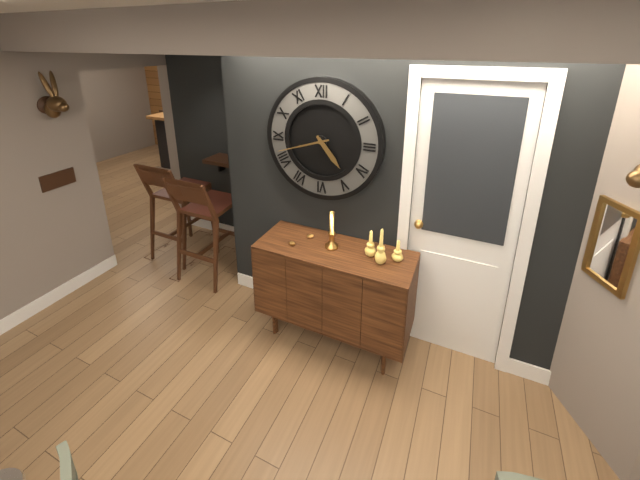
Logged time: {"hour": 4, "minute": 42}
